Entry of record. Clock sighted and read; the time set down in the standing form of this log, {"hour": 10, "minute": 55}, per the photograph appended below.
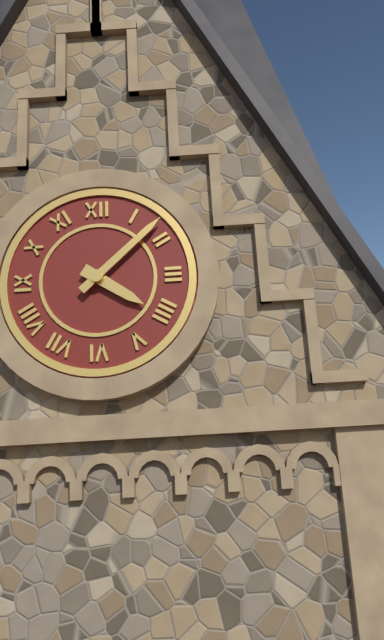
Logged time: {"hour": 4, "minute": 8}
